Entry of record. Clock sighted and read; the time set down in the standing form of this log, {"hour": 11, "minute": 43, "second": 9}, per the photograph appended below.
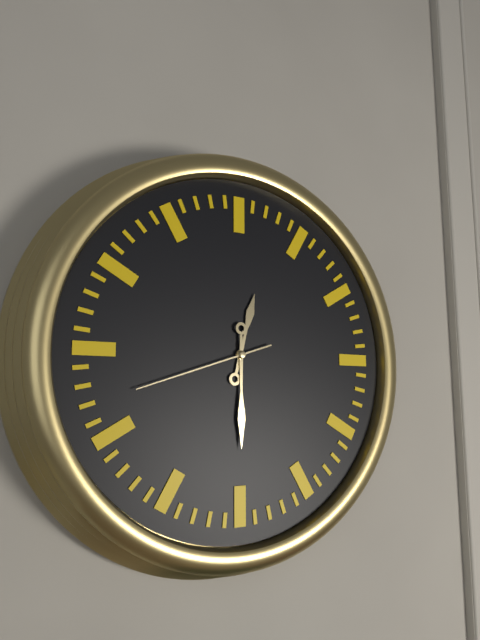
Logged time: {"hour": 12, "minute": 30, "second": 42}
